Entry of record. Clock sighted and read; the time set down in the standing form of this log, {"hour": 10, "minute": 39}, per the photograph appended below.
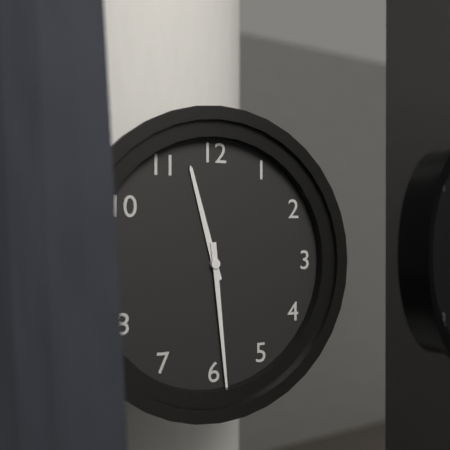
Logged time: {"hour": 11, "minute": 29}
